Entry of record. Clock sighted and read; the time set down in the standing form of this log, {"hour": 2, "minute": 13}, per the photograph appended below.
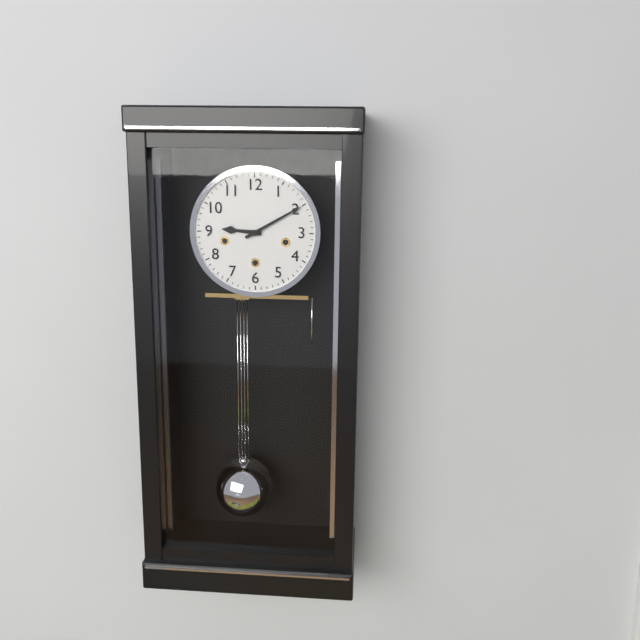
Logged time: {"hour": 9, "minute": 10}
